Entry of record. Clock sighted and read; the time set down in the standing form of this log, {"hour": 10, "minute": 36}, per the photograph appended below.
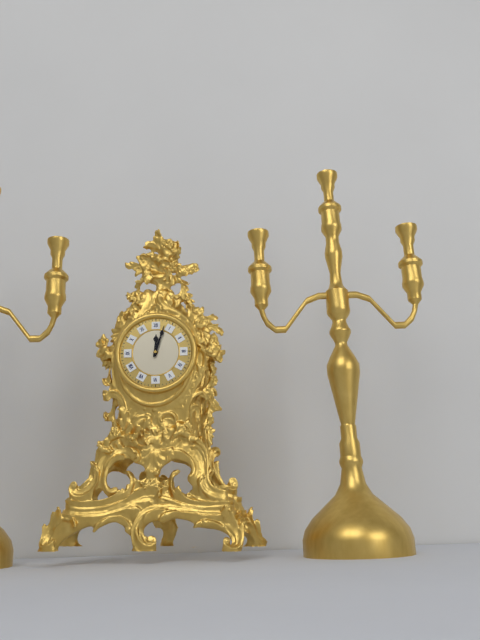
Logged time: {"hour": 12, "minute": 3}
